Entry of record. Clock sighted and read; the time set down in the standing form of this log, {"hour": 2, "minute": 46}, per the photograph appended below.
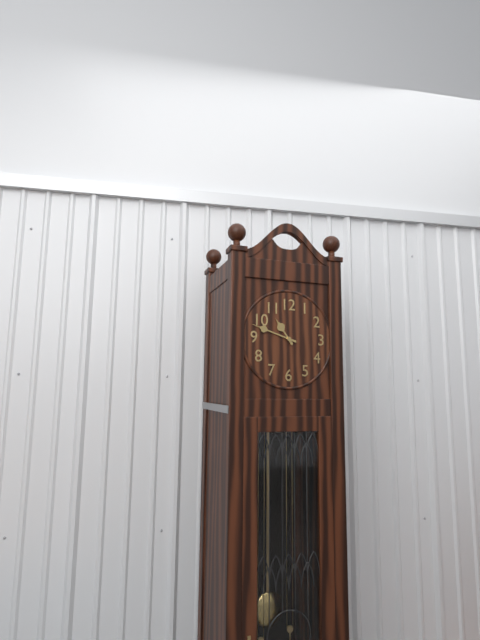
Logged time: {"hour": 10, "minute": 48}
